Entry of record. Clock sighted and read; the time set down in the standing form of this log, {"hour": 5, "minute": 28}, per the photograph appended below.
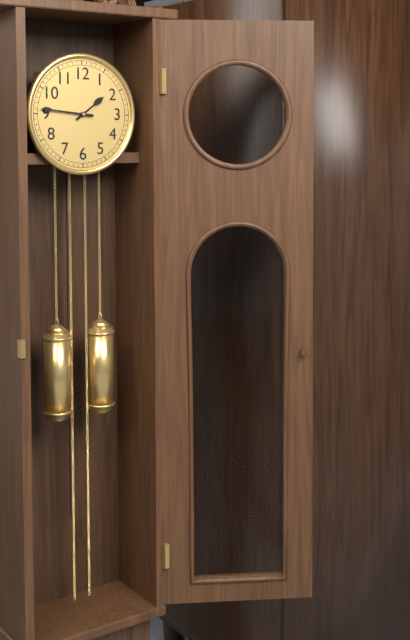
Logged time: {"hour": 1, "minute": 46}
